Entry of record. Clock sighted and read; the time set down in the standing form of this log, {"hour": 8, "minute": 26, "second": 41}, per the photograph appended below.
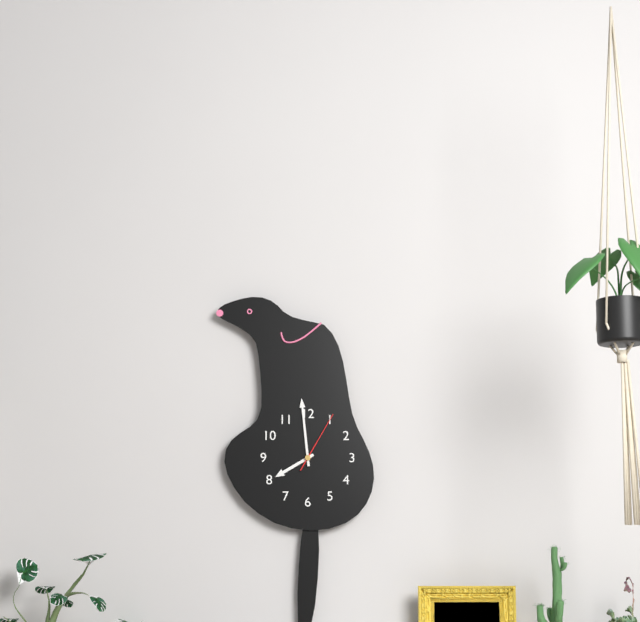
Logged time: {"hour": 7, "minute": 59, "second": 5}
